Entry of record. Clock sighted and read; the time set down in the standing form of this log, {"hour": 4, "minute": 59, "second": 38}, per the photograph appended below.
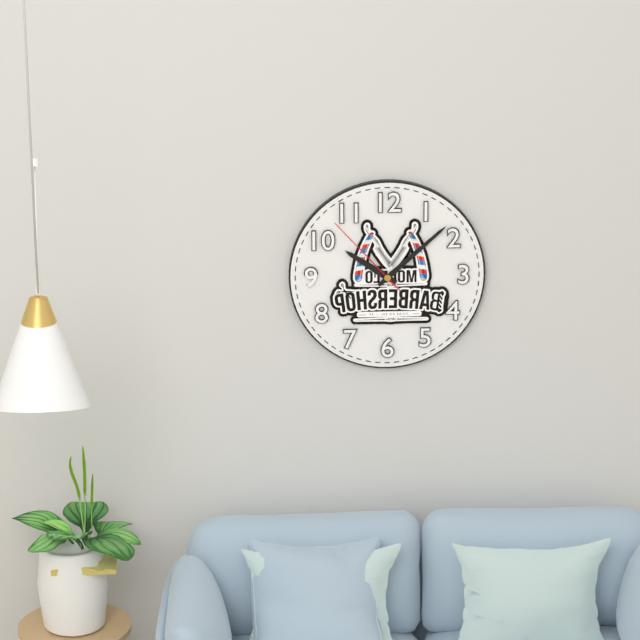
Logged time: {"hour": 10, "minute": 8, "second": 53}
